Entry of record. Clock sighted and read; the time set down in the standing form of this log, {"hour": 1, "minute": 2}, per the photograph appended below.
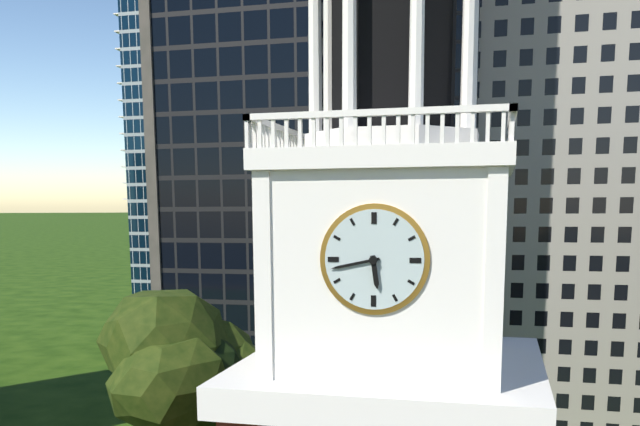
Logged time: {"hour": 5, "minute": 43}
